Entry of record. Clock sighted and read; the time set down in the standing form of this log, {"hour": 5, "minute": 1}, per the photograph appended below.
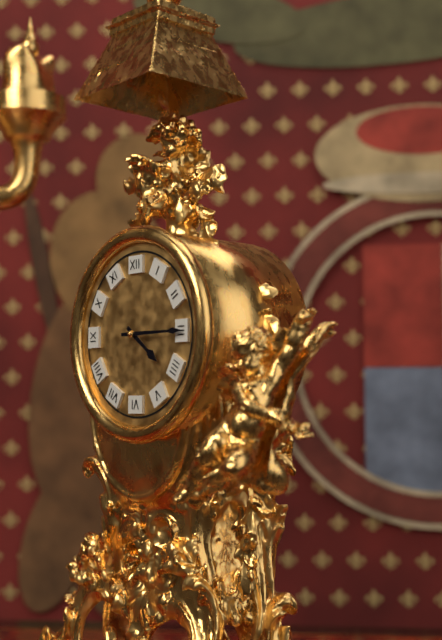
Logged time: {"hour": 4, "minute": 15}
